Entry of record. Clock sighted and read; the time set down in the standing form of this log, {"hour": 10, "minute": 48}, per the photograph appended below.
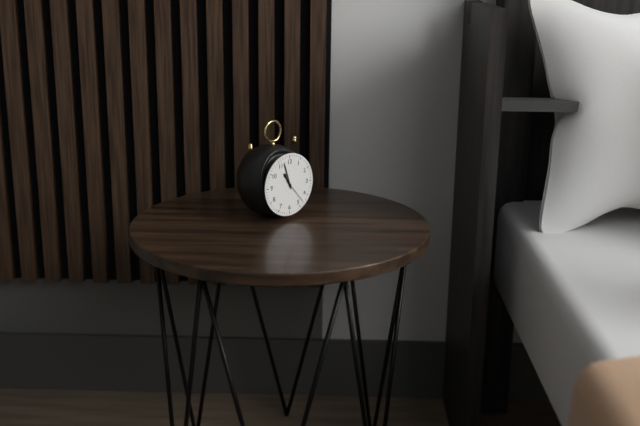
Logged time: {"hour": 10, "minute": 57}
